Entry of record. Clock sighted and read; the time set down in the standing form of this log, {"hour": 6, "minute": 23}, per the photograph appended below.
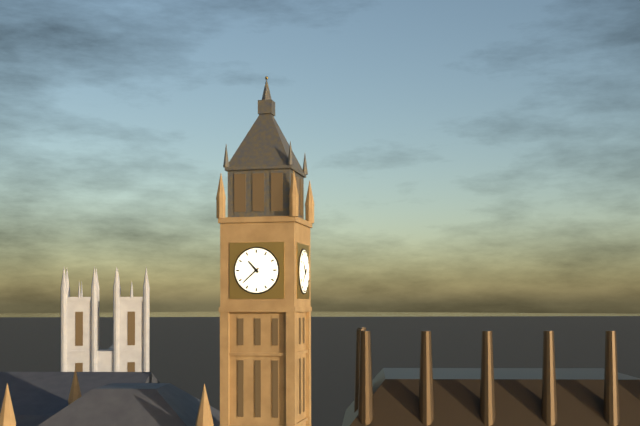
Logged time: {"hour": 10, "minute": 38}
